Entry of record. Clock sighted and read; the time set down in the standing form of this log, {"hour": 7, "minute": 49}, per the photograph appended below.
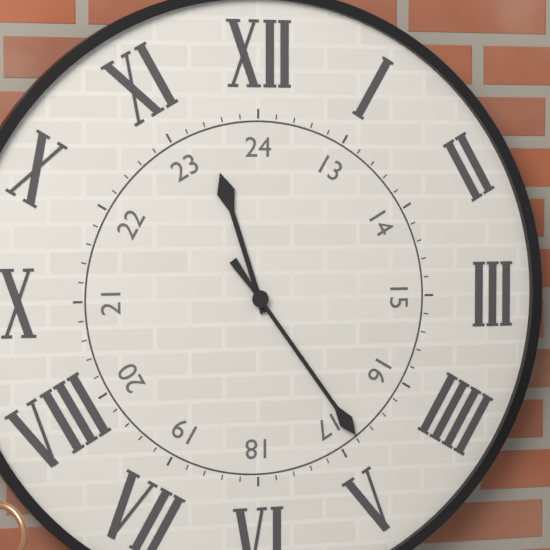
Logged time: {"hour": 11, "minute": 24}
